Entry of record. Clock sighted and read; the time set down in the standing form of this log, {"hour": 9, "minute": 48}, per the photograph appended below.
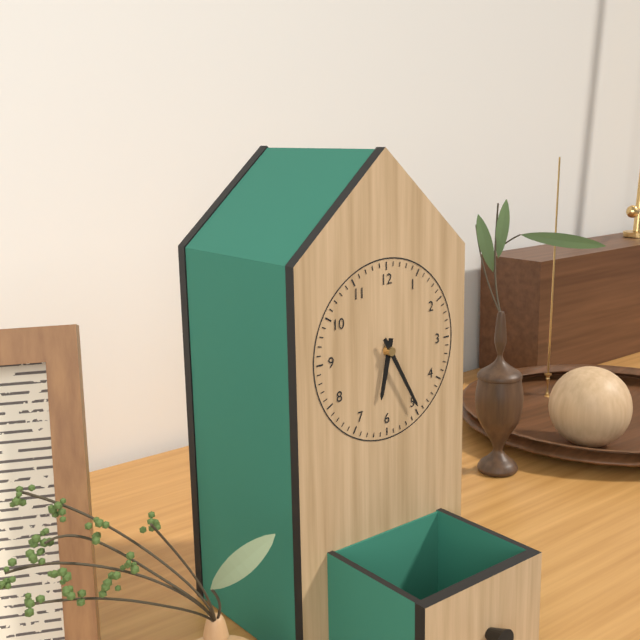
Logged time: {"hour": 6, "minute": 25}
